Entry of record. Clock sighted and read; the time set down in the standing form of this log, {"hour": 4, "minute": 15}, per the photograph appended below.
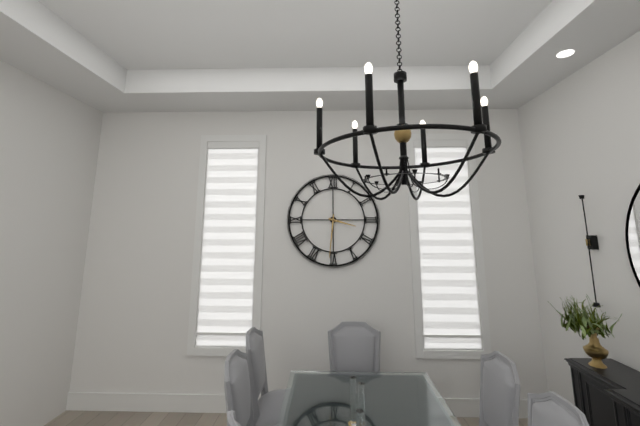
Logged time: {"hour": 3, "minute": 31}
